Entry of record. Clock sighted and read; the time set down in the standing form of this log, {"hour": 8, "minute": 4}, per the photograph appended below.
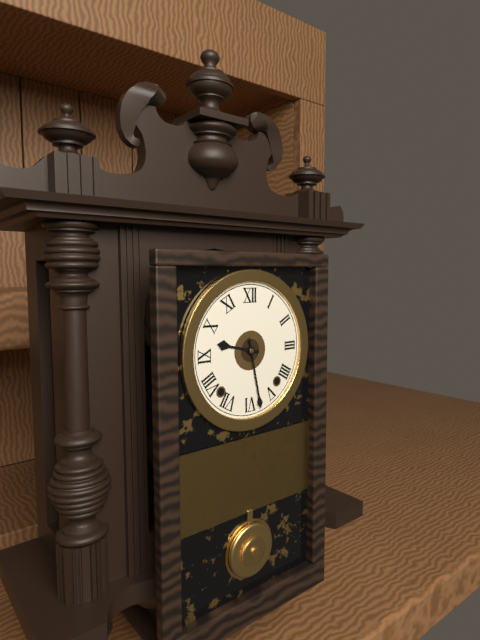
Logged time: {"hour": 9, "minute": 28}
